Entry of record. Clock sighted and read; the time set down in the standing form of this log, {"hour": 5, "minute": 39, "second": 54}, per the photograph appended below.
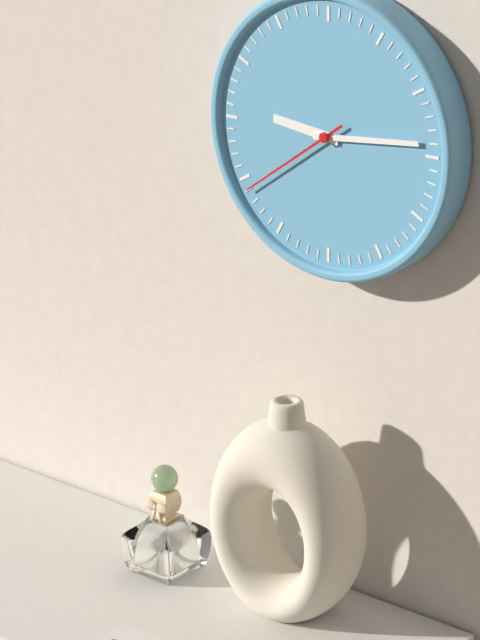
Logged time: {"hour": 9, "minute": 14, "second": 39}
